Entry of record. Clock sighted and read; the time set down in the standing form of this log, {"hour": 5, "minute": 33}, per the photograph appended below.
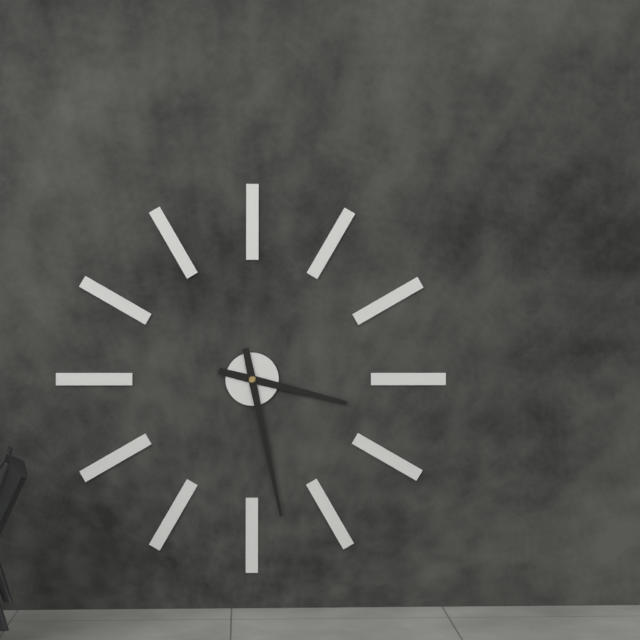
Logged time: {"hour": 3, "minute": 28}
